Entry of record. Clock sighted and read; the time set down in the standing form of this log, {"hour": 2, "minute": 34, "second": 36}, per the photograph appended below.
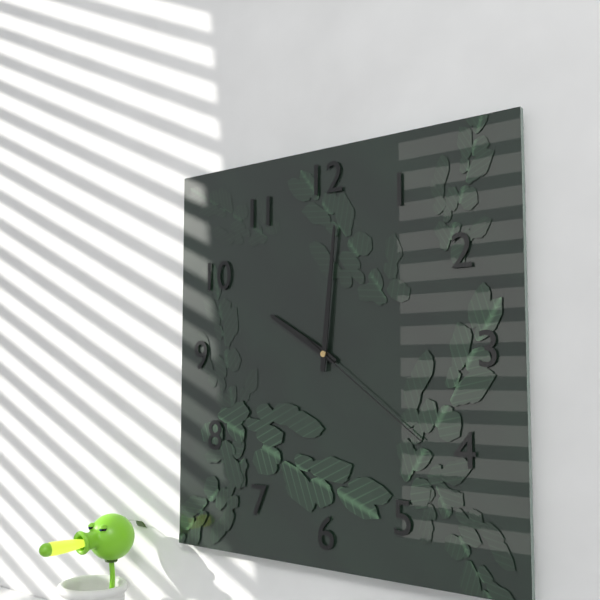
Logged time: {"hour": 10, "minute": 1, "second": 21}
